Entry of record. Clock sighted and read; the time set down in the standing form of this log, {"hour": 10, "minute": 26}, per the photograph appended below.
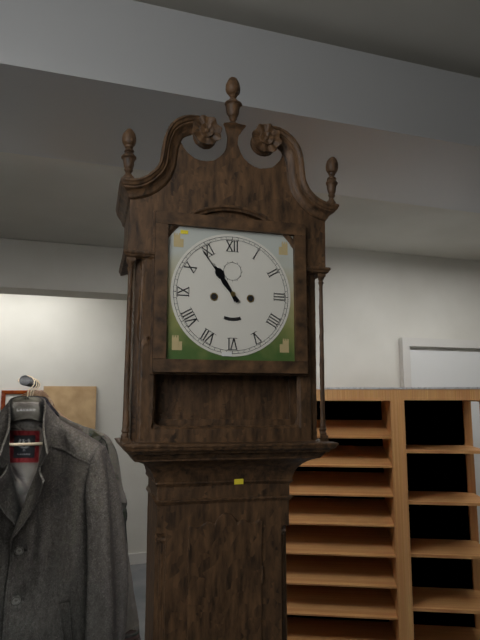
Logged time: {"hour": 10, "minute": 54}
